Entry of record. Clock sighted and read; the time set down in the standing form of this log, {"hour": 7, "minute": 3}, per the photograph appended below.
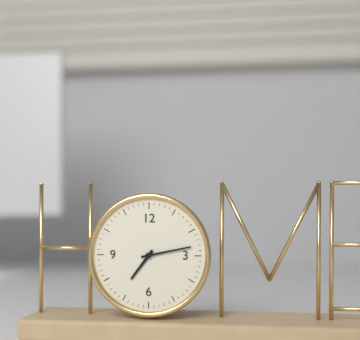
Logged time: {"hour": 7, "minute": 13}
